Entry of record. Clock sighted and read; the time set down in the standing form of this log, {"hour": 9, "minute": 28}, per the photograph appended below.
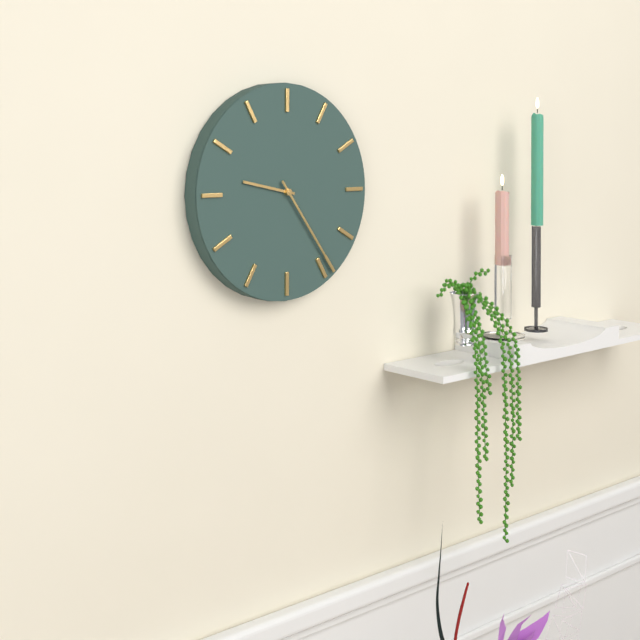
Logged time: {"hour": 9, "minute": 24}
